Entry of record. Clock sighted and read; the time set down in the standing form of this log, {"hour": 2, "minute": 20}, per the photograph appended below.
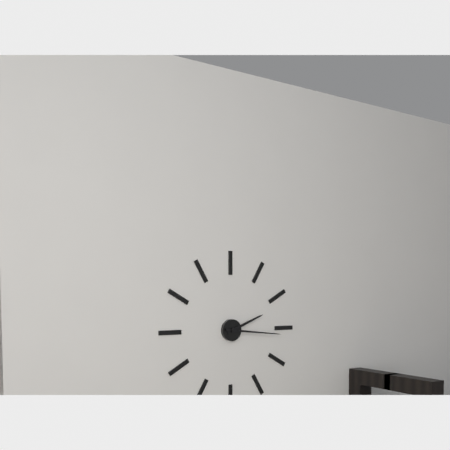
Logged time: {"hour": 2, "minute": 16}
